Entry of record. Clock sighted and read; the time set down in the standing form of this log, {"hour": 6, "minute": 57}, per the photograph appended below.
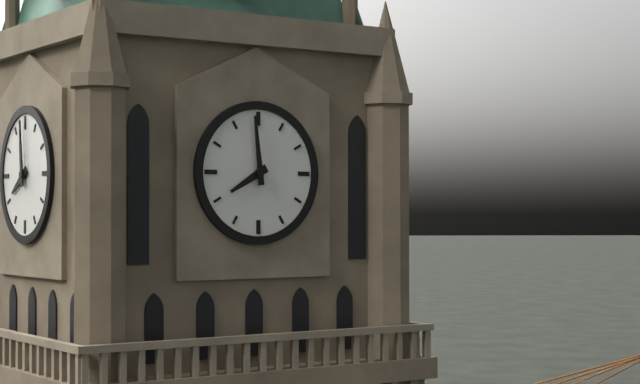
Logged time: {"hour": 7, "minute": 59}
